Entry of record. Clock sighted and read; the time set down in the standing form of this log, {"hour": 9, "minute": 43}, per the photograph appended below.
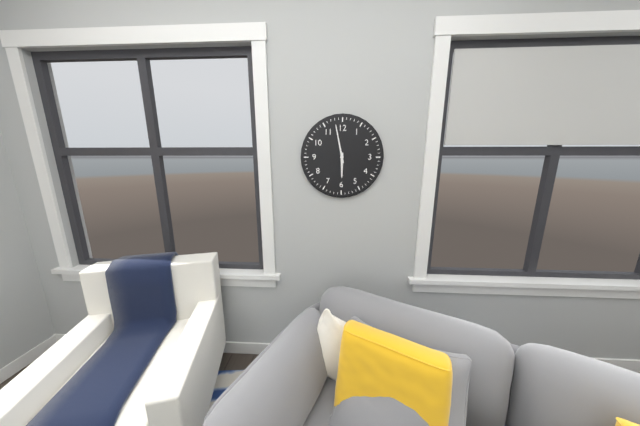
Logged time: {"hour": 5, "minute": 58}
